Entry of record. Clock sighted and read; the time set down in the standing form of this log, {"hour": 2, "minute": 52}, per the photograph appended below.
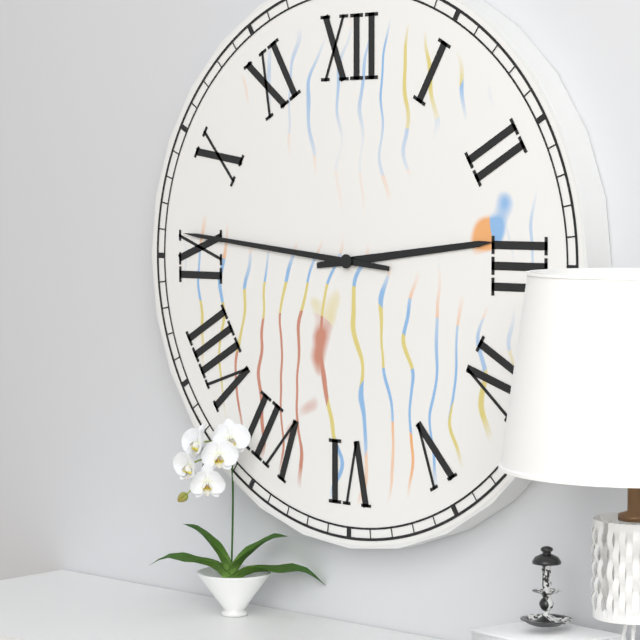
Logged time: {"hour": 2, "minute": 46}
